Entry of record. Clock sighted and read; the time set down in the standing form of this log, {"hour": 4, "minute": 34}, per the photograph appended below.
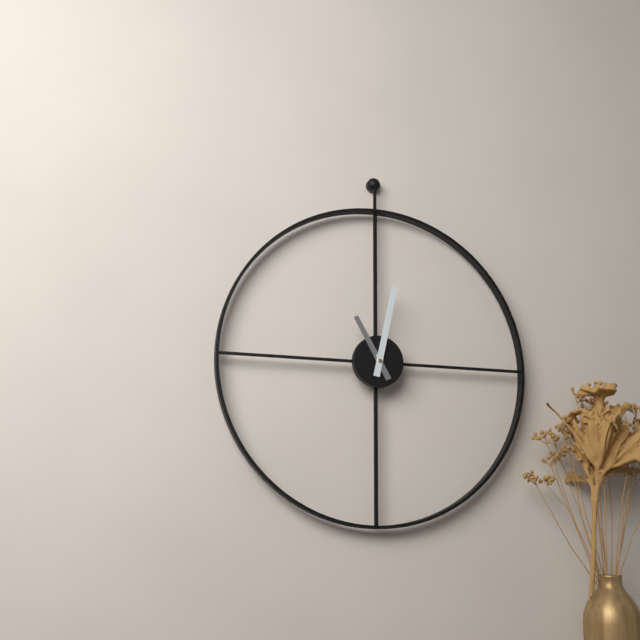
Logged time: {"hour": 11, "minute": 2}
